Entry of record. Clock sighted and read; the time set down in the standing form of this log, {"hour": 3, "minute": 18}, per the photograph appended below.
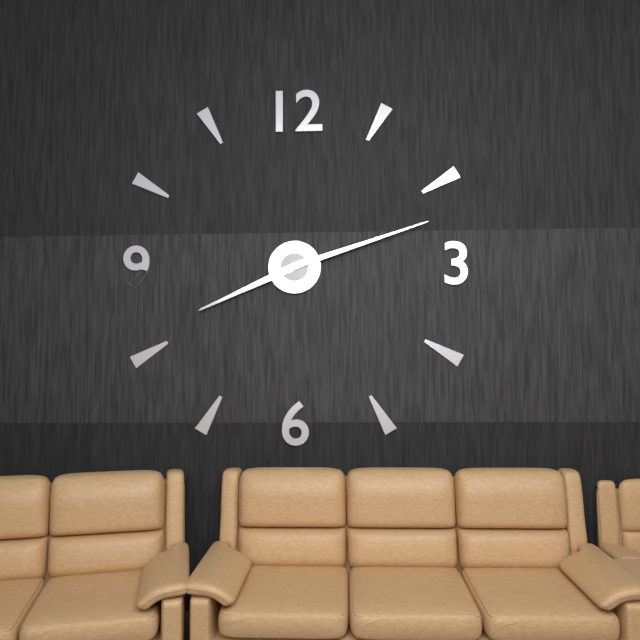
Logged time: {"hour": 8, "minute": 12}
